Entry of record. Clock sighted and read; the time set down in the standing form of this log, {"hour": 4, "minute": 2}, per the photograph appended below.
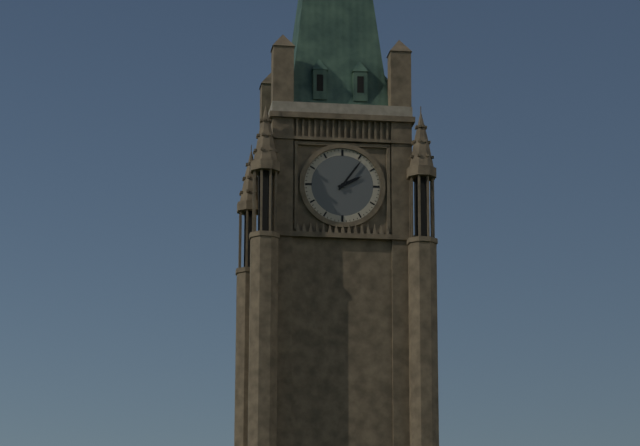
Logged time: {"hour": 2, "minute": 6}
